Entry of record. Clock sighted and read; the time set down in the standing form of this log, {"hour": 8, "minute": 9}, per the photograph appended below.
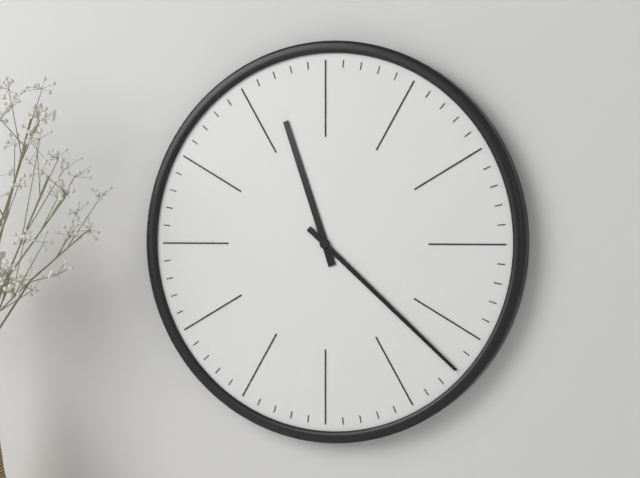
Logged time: {"hour": 11, "minute": 22}
